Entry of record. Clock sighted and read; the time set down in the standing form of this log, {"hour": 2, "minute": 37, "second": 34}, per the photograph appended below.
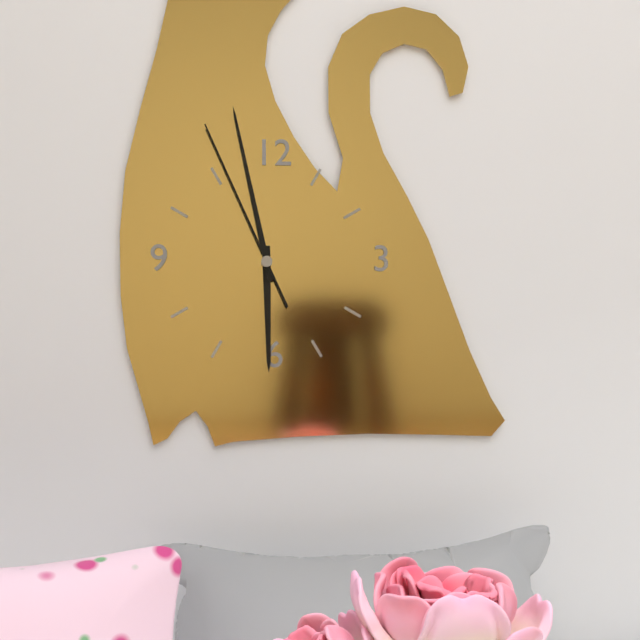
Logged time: {"hour": 5, "minute": 58, "second": 56}
